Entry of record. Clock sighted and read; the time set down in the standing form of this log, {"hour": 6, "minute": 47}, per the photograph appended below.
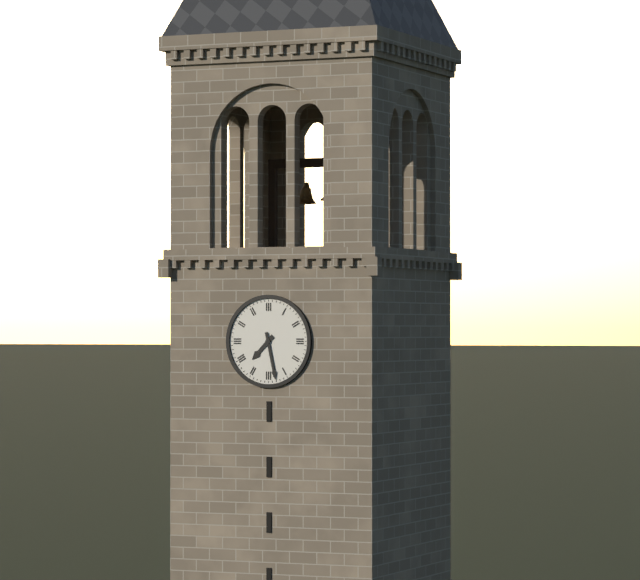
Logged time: {"hour": 7, "minute": 28}
